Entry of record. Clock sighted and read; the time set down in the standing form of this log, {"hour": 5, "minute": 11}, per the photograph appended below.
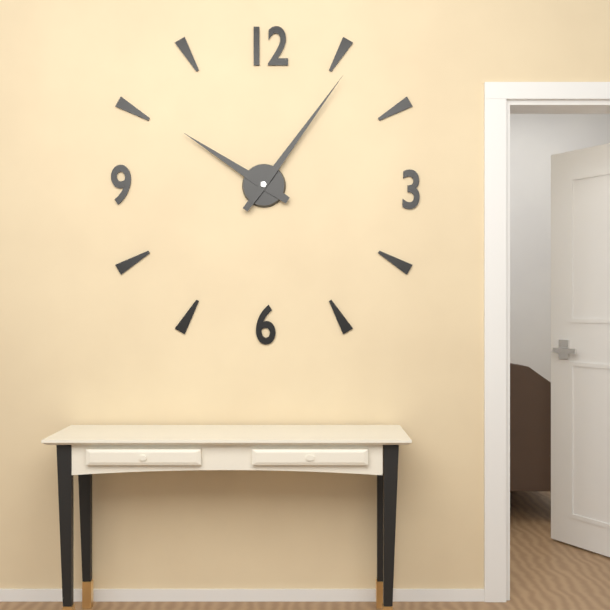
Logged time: {"hour": 10, "minute": 6}
